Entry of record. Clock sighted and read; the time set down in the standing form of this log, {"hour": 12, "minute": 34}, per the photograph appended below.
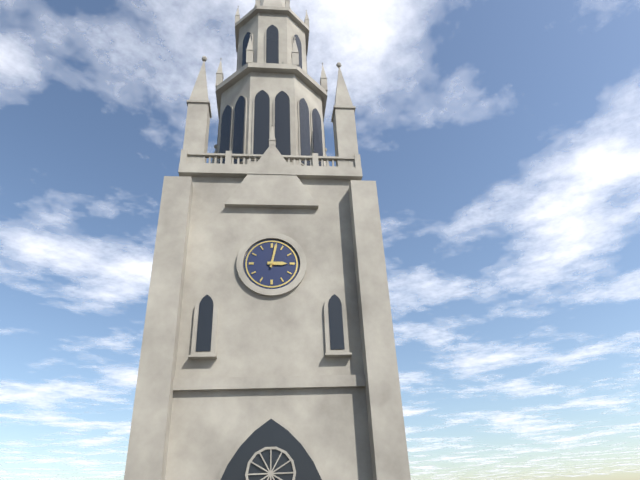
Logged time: {"hour": 3, "minute": 2}
